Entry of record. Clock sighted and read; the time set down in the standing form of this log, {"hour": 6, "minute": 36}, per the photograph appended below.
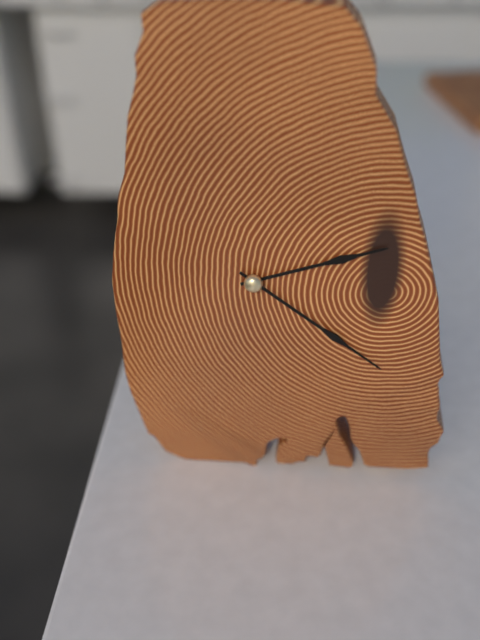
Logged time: {"hour": 2, "minute": 21}
